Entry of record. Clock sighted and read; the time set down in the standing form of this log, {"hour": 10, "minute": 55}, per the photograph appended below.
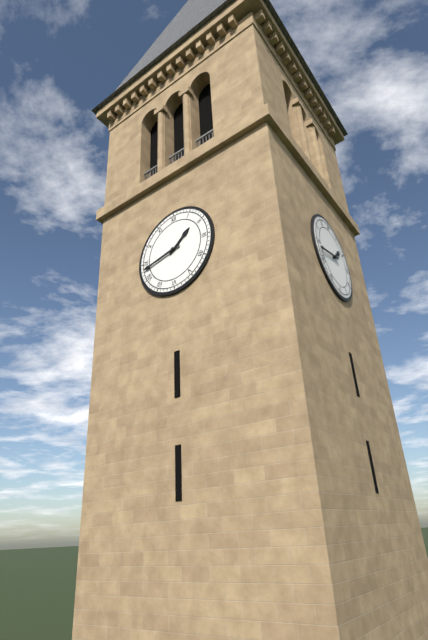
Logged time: {"hour": 1, "minute": 43}
